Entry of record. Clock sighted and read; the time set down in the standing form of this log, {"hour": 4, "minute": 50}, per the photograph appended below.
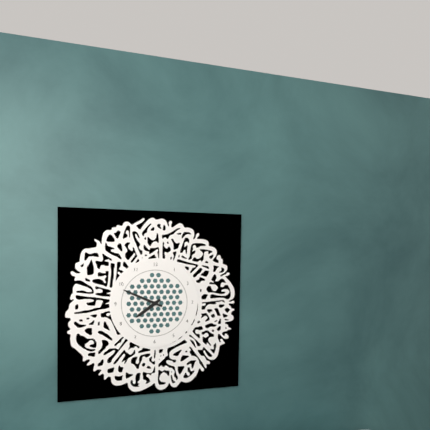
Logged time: {"hour": 7, "minute": 49}
